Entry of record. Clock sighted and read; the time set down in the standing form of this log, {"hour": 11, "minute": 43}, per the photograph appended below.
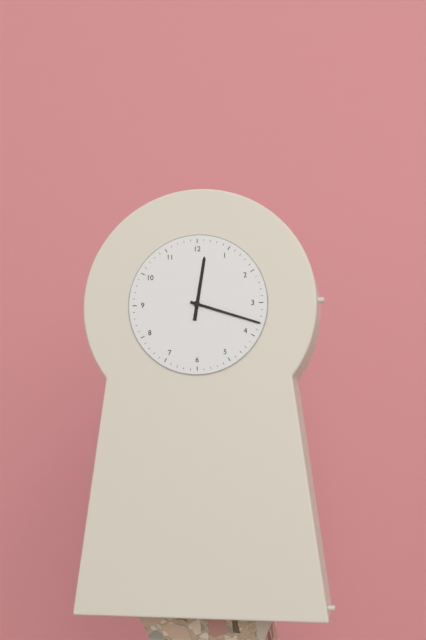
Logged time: {"hour": 12, "minute": 18}
